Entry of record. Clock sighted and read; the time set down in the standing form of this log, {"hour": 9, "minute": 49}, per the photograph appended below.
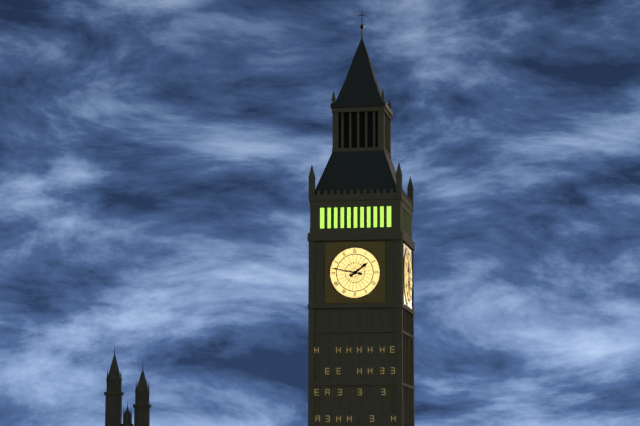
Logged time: {"hour": 1, "minute": 47}
